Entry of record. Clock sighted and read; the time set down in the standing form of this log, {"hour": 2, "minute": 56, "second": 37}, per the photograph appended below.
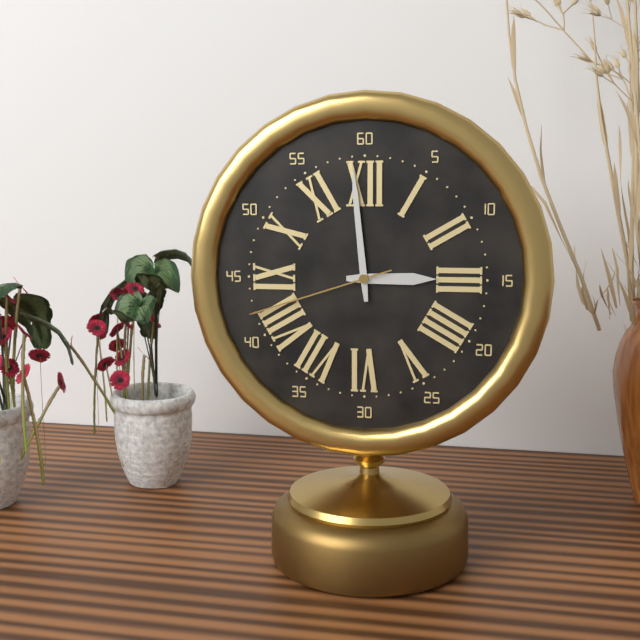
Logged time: {"hour": 2, "minute": 59, "second": 42}
